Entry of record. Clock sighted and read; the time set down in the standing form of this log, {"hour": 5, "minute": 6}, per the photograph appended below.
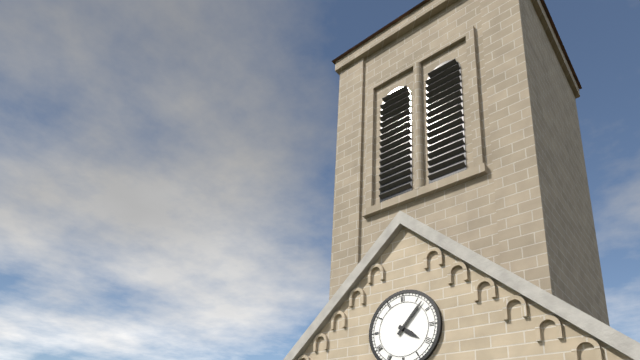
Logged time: {"hour": 4, "minute": 7}
